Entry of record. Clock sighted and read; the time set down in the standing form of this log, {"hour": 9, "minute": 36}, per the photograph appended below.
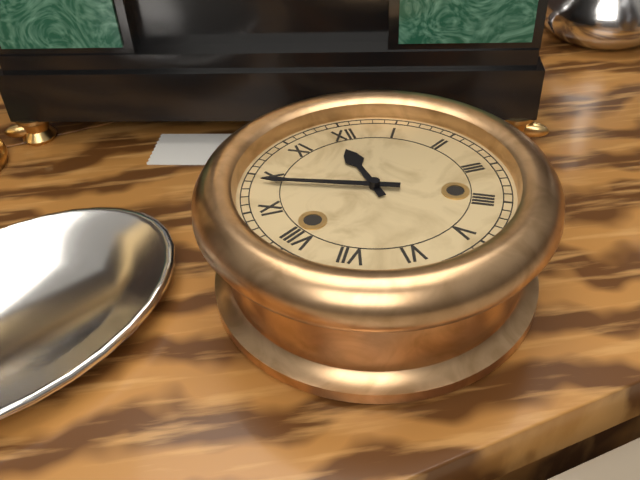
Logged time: {"hour": 11, "minute": 49}
